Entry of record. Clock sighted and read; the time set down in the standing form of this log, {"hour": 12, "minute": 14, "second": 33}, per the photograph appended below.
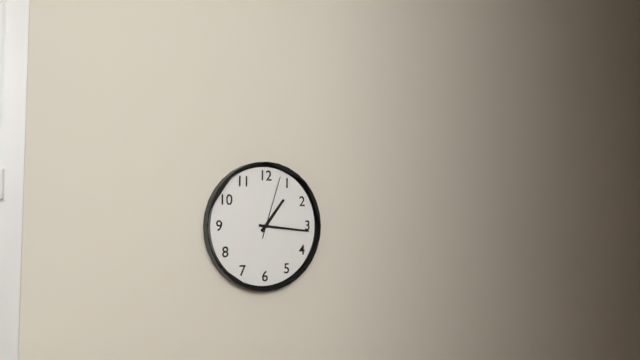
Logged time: {"hour": 1, "minute": 16, "second": 3}
